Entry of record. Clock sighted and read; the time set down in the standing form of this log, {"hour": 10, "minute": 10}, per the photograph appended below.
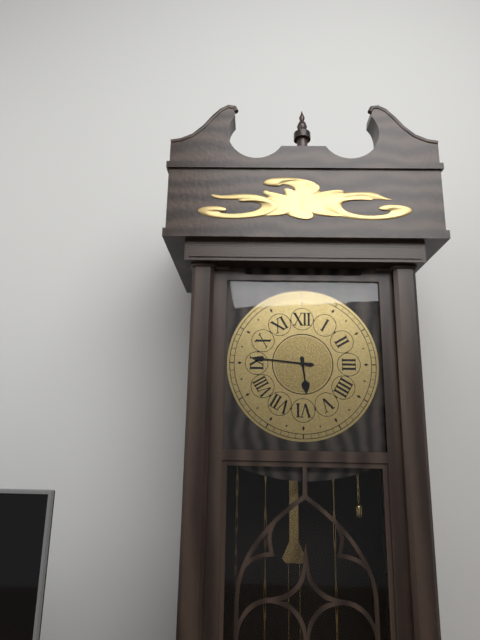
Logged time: {"hour": 5, "minute": 46}
